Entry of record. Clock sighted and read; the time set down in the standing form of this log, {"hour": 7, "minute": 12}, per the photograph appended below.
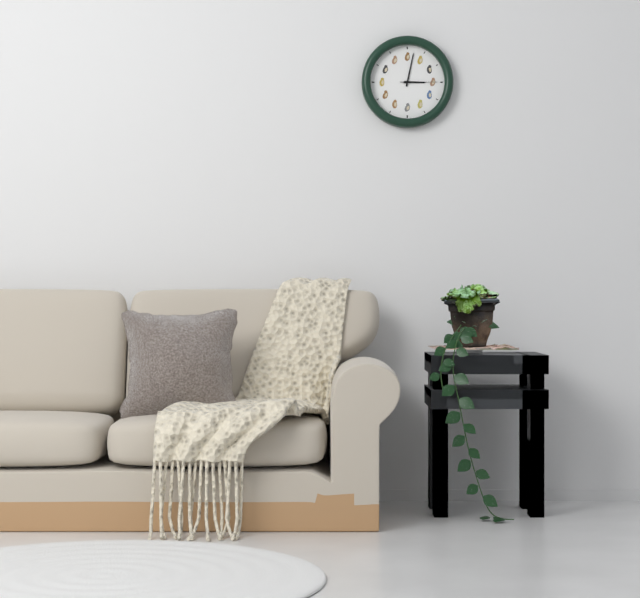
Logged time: {"hour": 3, "minute": 2}
